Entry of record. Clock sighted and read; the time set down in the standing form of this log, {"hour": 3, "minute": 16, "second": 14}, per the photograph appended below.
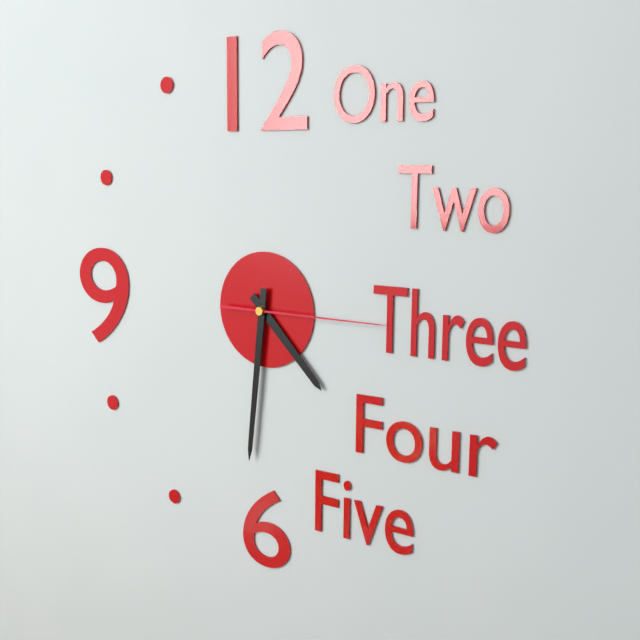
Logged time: {"hour": 4, "minute": 31, "second": 15}
